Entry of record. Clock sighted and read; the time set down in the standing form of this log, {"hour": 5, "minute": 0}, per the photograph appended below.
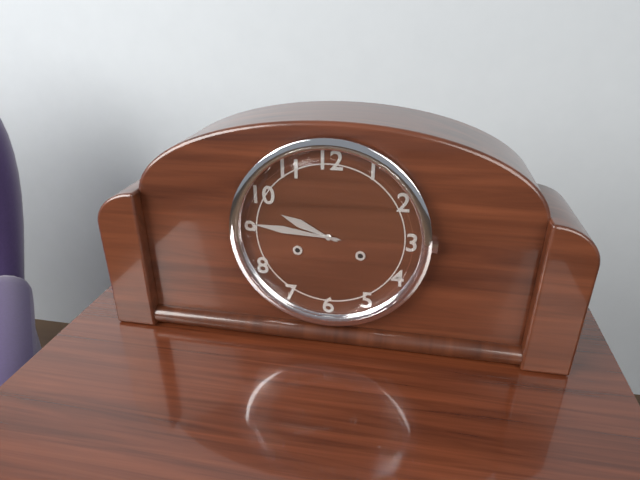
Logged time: {"hour": 9, "minute": 46}
